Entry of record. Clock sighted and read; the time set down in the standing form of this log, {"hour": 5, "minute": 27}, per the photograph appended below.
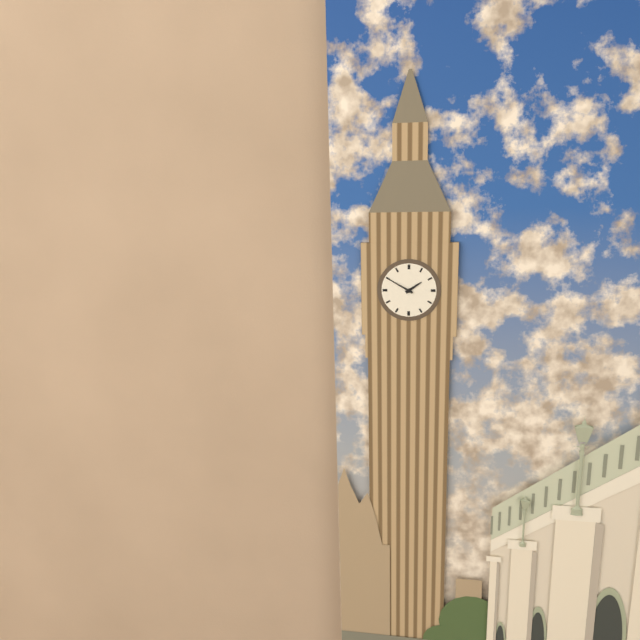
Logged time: {"hour": 1, "minute": 50}
